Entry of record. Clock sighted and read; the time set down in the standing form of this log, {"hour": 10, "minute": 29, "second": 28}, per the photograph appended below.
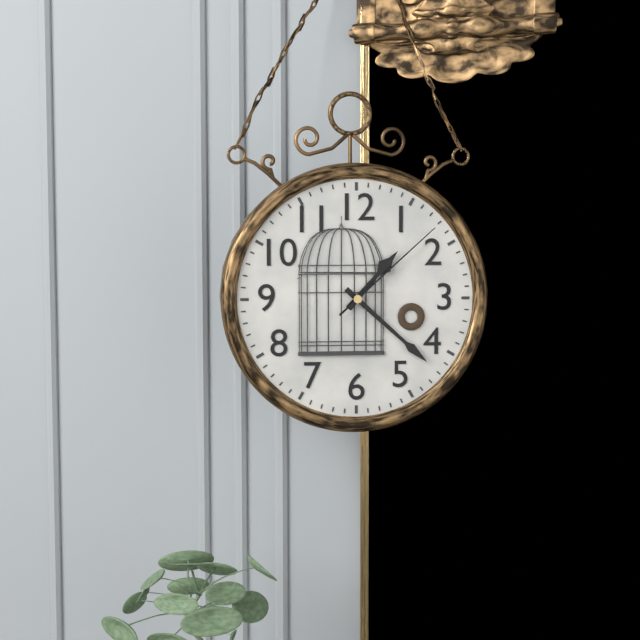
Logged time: {"hour": 1, "minute": 22, "second": 8}
